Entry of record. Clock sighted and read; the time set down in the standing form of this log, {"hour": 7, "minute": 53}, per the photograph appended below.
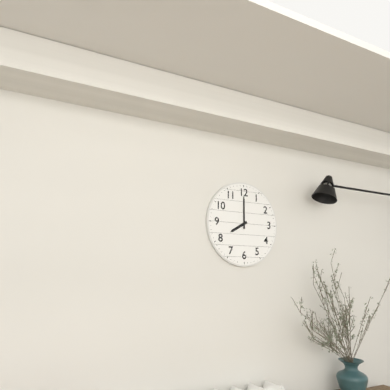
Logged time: {"hour": 8, "minute": 0}
